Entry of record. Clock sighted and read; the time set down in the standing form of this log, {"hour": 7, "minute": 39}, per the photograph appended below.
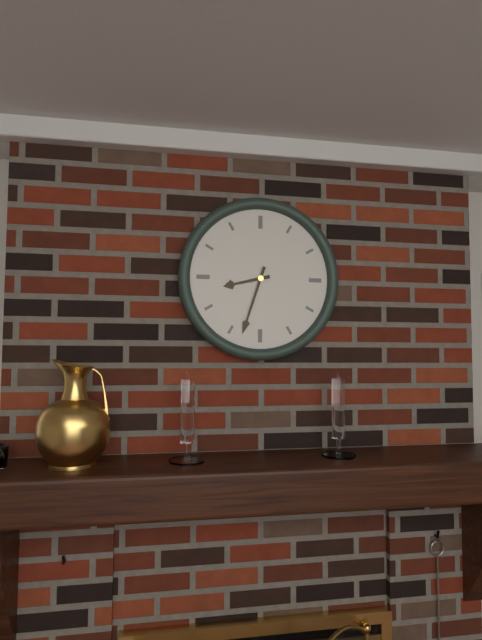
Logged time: {"hour": 8, "minute": 33}
